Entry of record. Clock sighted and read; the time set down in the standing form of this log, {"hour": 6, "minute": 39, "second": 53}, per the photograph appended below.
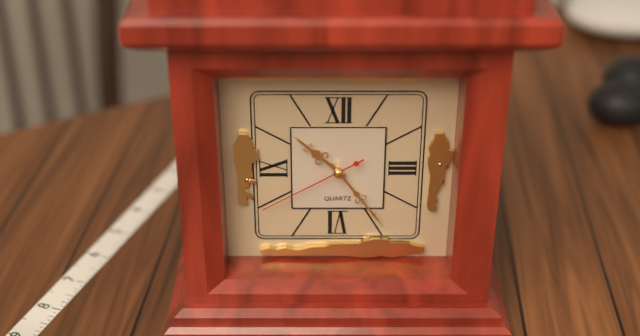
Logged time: {"hour": 10, "minute": 24, "second": 40}
